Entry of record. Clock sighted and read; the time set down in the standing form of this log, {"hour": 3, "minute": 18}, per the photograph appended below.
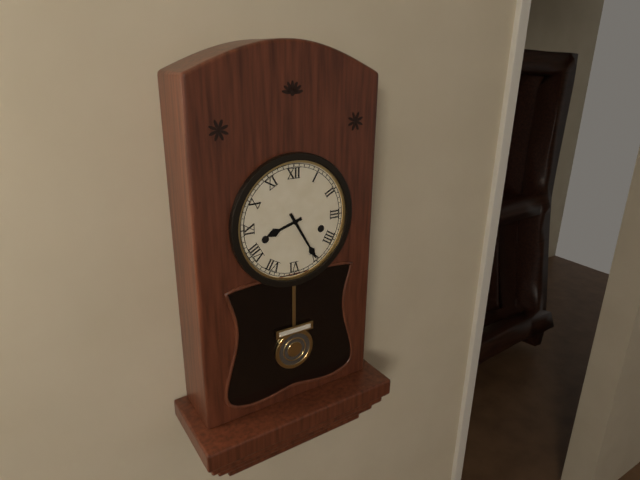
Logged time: {"hour": 8, "minute": 25}
